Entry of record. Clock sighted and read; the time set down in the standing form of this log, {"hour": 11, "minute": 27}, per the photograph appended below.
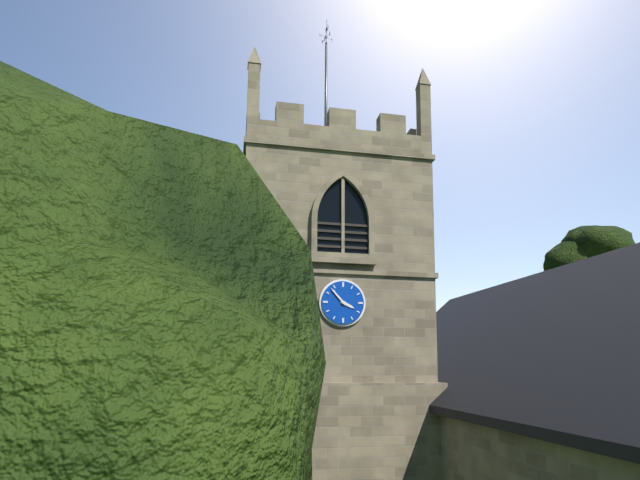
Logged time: {"hour": 3, "minute": 53}
